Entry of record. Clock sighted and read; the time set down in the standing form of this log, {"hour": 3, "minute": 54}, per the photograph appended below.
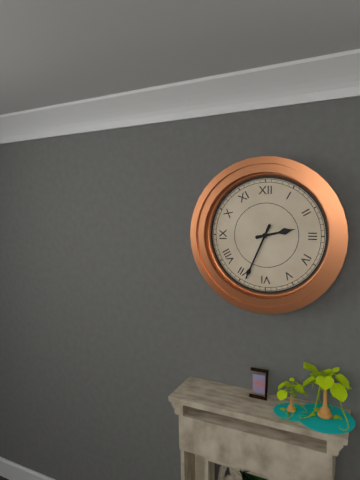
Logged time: {"hour": 2, "minute": 34}
